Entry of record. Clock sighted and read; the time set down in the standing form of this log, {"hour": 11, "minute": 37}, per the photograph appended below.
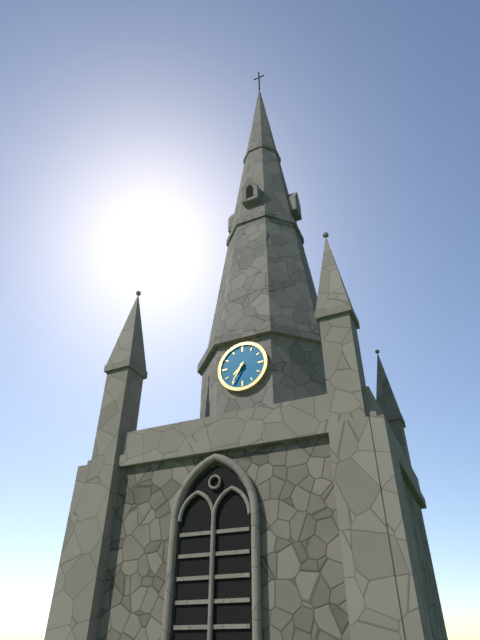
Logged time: {"hour": 7, "minute": 35}
